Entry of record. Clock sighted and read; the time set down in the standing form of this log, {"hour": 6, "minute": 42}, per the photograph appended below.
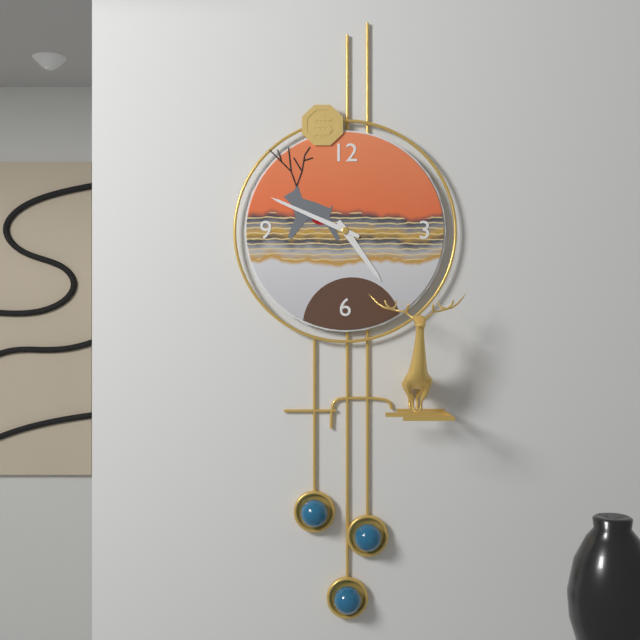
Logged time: {"hour": 4, "minute": 49}
